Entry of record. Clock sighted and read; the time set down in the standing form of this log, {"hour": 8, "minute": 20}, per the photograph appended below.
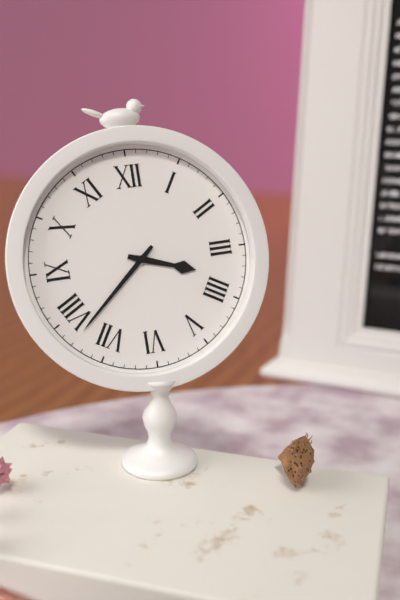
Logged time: {"hour": 3, "minute": 38}
